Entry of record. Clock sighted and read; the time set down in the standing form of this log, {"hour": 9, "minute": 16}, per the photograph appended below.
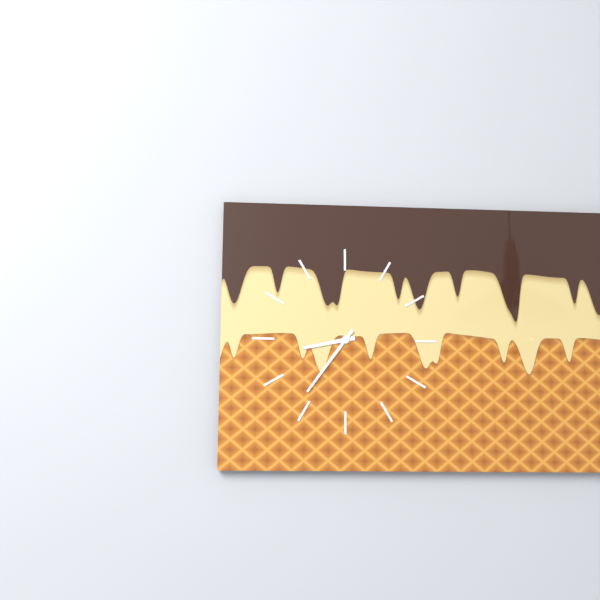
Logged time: {"hour": 8, "minute": 36}
